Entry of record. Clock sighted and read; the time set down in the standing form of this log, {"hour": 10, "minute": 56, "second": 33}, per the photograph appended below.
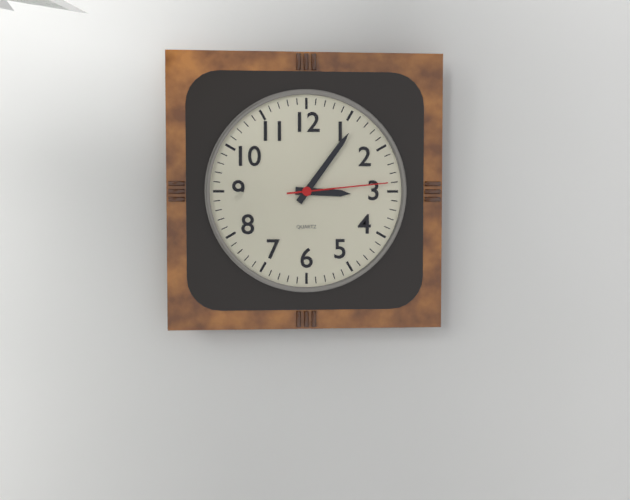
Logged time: {"hour": 3, "minute": 6, "second": 14}
